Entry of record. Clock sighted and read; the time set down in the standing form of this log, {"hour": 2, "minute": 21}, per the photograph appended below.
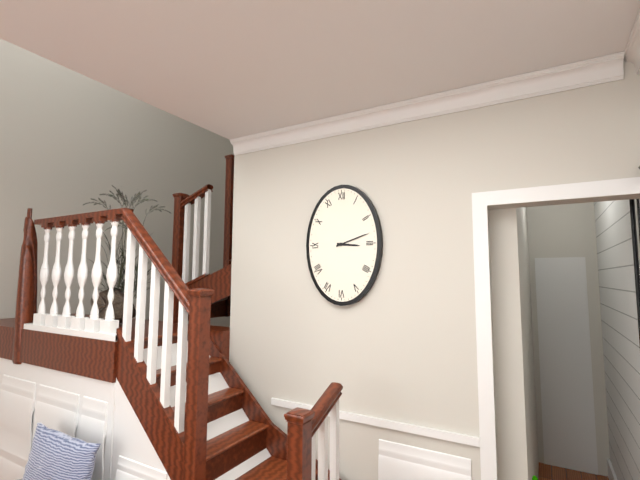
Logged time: {"hour": 3, "minute": 12}
